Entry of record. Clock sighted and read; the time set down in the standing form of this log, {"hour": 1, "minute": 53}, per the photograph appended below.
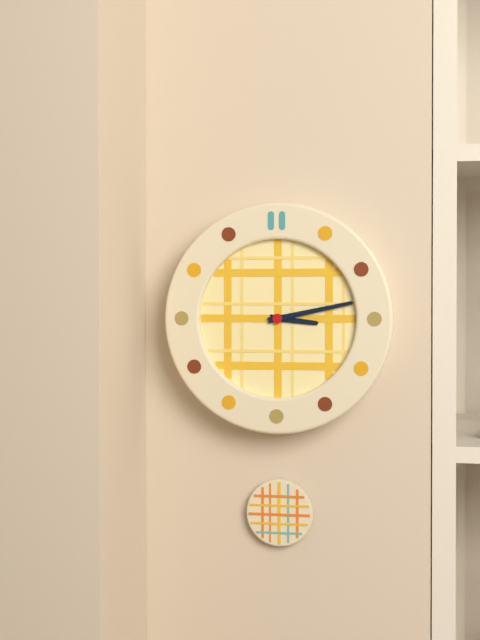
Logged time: {"hour": 3, "minute": 13}
